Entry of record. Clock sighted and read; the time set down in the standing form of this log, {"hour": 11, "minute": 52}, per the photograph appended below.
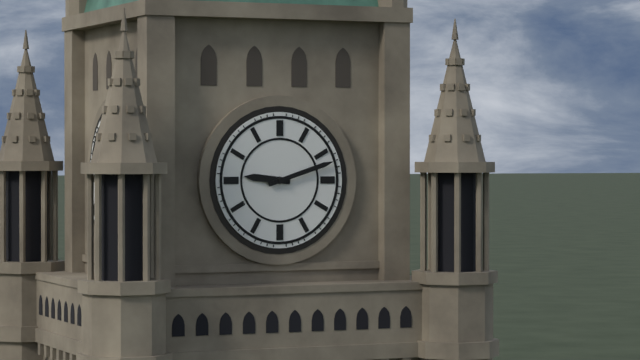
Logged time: {"hour": 9, "minute": 12}
